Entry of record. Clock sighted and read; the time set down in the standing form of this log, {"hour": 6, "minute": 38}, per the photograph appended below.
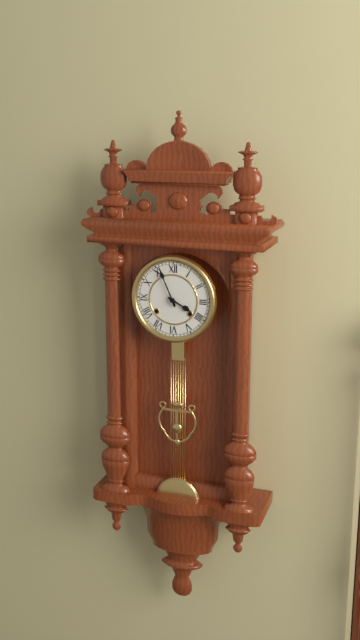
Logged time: {"hour": 3, "minute": 56}
